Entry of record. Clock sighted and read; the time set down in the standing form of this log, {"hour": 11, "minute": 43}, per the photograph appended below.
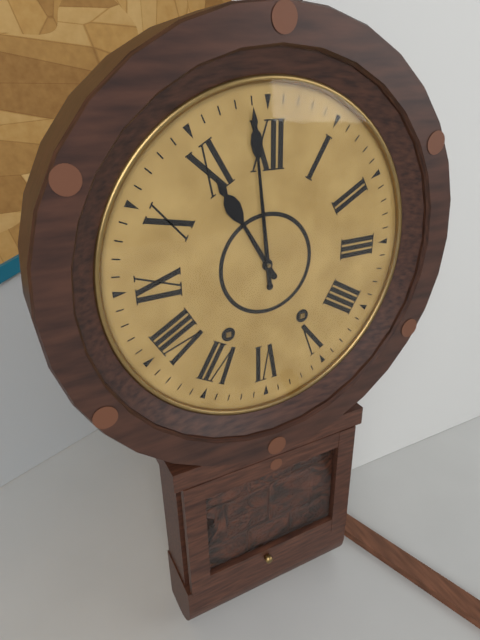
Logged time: {"hour": 10, "minute": 59}
